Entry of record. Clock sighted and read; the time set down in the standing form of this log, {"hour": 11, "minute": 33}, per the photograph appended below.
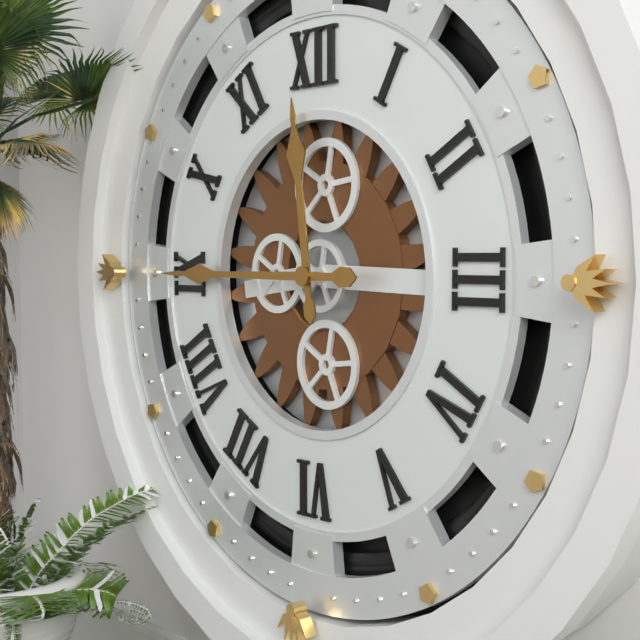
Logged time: {"hour": 11, "minute": 45}
